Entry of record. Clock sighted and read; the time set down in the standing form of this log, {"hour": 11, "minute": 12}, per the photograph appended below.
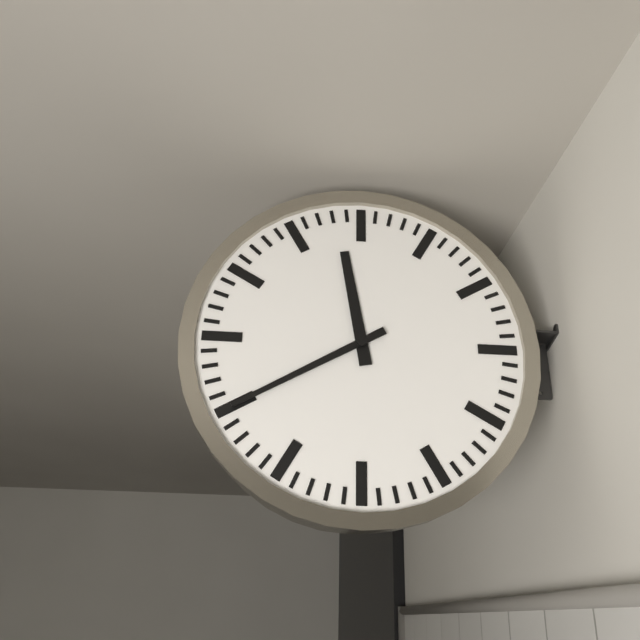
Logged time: {"hour": 11, "minute": 40}
